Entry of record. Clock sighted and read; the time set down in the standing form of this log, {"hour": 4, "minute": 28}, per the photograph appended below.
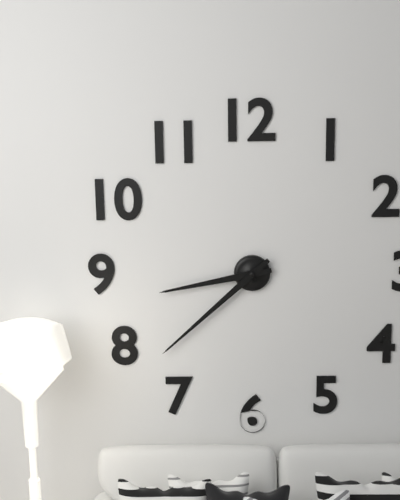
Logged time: {"hour": 8, "minute": 38}
